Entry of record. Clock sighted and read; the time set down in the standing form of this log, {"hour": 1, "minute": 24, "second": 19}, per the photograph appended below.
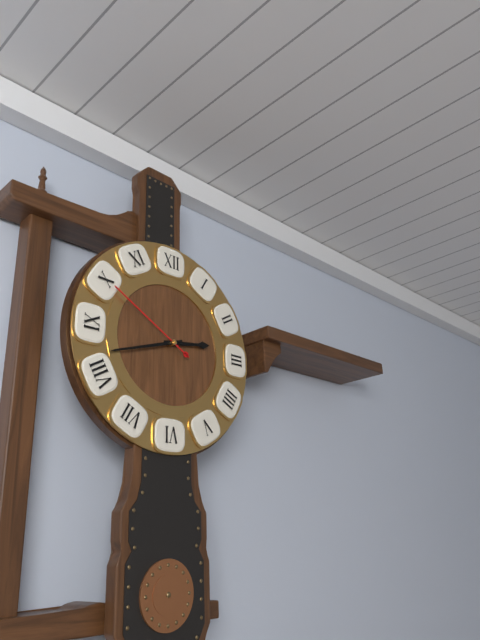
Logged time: {"hour": 2, "minute": 42, "second": 50}
